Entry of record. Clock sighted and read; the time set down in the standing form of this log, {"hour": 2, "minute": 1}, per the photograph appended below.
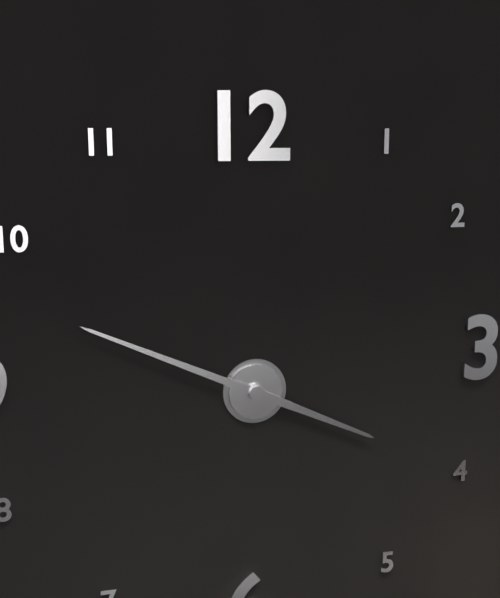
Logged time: {"hour": 3, "minute": 49}
